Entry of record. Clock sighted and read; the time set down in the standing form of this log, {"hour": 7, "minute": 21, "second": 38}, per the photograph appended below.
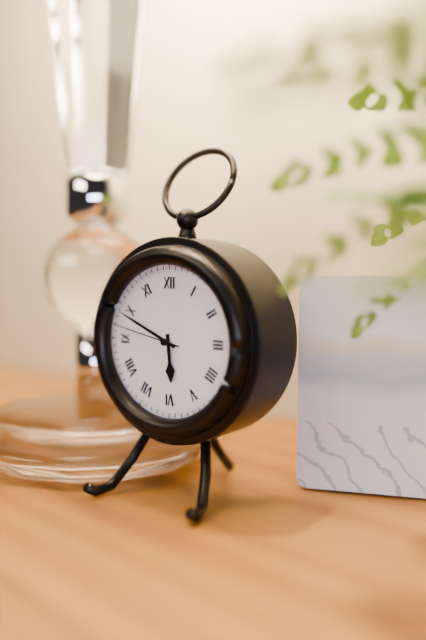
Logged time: {"hour": 5, "minute": 49, "second": 47}
